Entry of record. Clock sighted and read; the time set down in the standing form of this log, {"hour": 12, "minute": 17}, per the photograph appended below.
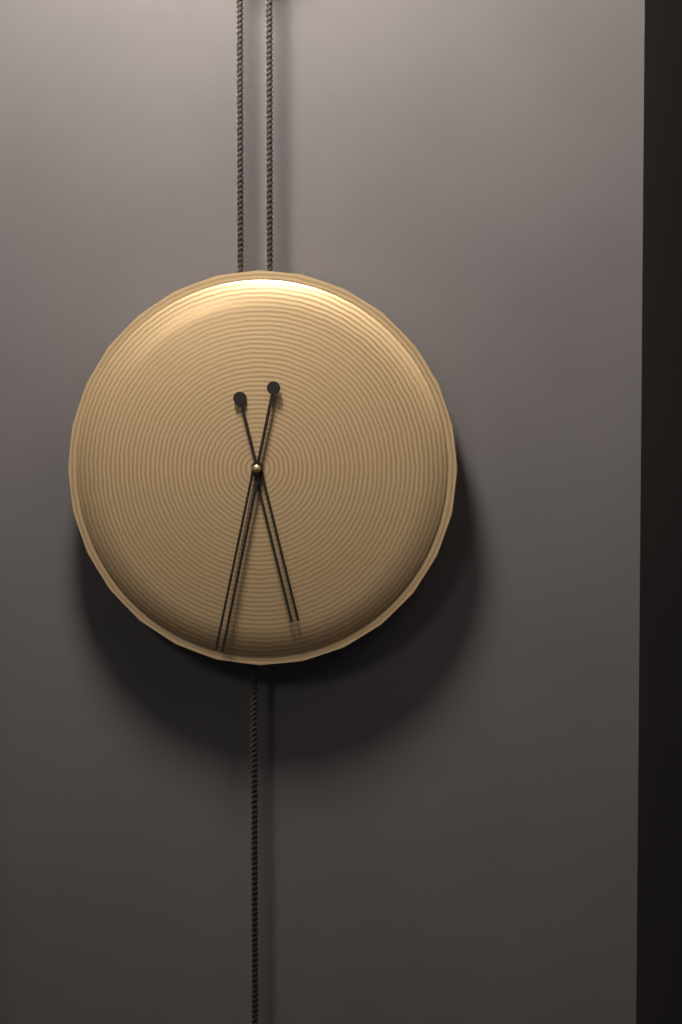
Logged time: {"hour": 5, "minute": 32}
